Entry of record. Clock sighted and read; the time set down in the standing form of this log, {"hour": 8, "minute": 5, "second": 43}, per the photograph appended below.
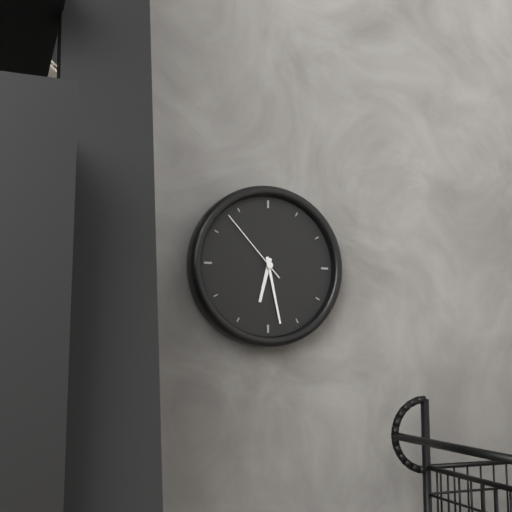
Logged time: {"hour": 6, "minute": 28, "second": 53}
